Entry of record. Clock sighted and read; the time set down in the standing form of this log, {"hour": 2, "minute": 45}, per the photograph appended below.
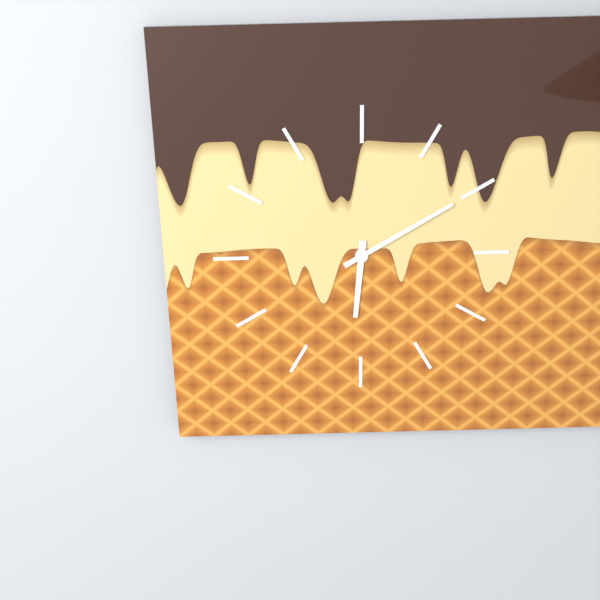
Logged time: {"hour": 6, "minute": 10}
